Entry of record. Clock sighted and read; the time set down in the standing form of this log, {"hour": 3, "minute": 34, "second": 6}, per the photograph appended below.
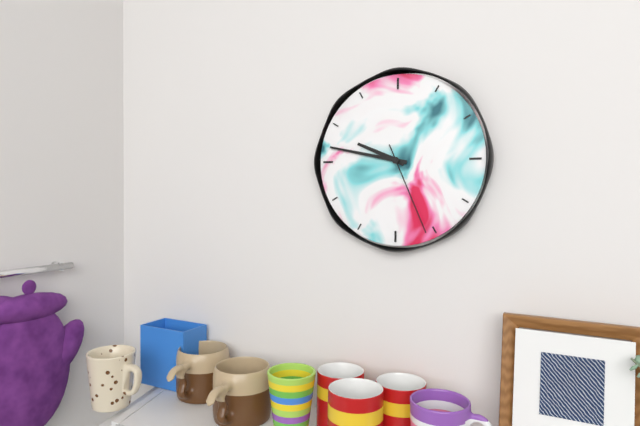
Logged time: {"hour": 9, "minute": 47, "second": 26}
